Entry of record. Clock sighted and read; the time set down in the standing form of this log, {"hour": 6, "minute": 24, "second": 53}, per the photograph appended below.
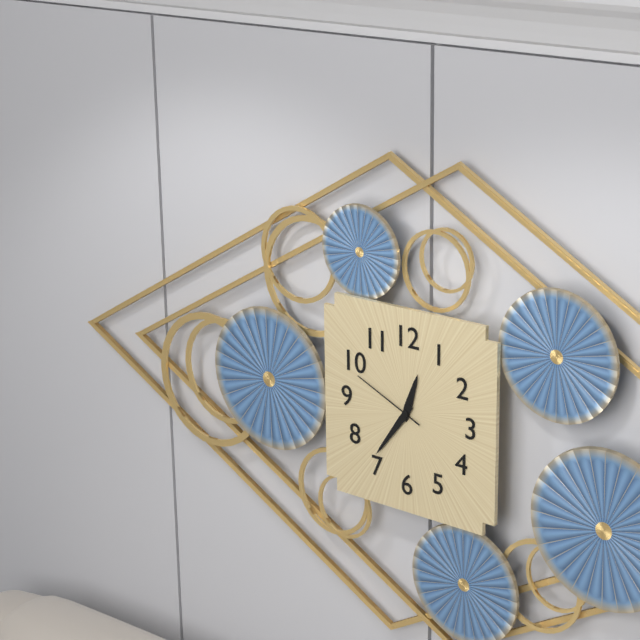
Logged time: {"hour": 12, "minute": 36, "second": 49}
